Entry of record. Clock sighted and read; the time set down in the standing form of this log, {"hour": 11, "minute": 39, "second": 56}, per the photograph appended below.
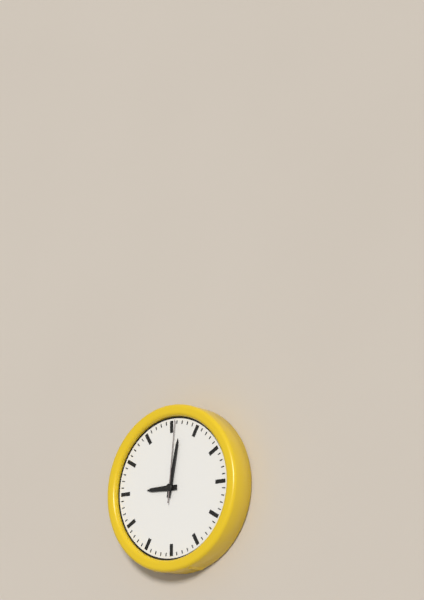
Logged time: {"hour": 9, "minute": 2, "second": 1}
